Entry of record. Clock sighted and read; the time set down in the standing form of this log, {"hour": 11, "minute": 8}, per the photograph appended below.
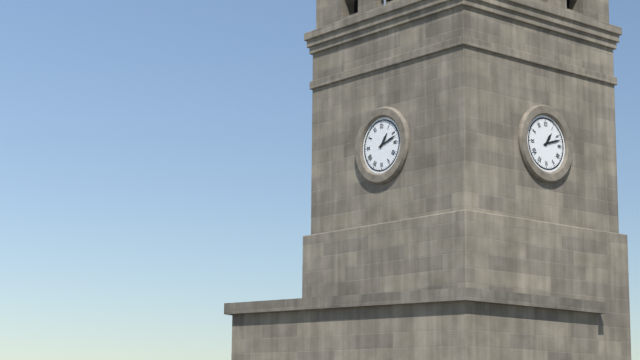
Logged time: {"hour": 1, "minute": 12}
